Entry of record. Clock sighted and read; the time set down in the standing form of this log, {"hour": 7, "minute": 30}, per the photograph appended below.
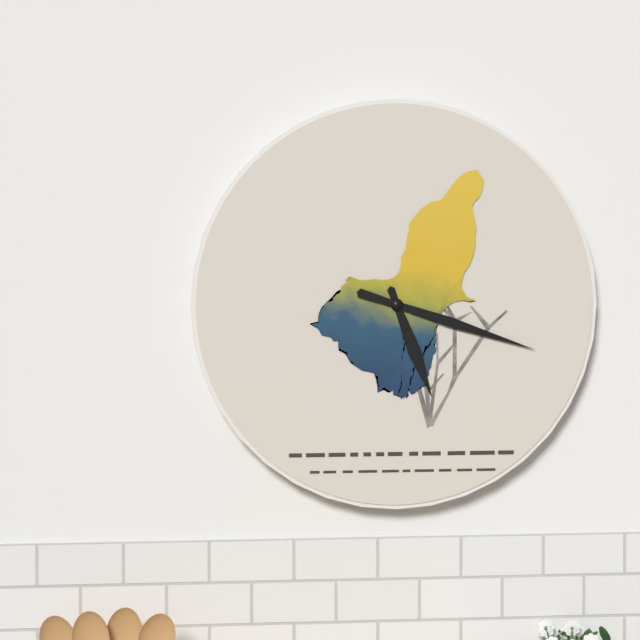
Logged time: {"hour": 5, "minute": 18}
